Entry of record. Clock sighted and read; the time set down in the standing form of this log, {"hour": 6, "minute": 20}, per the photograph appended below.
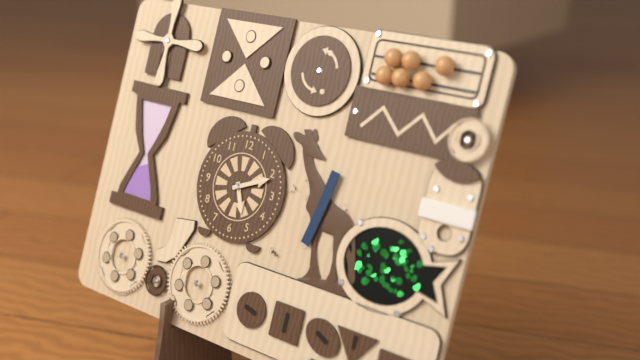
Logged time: {"hour": 5, "minute": 11}
